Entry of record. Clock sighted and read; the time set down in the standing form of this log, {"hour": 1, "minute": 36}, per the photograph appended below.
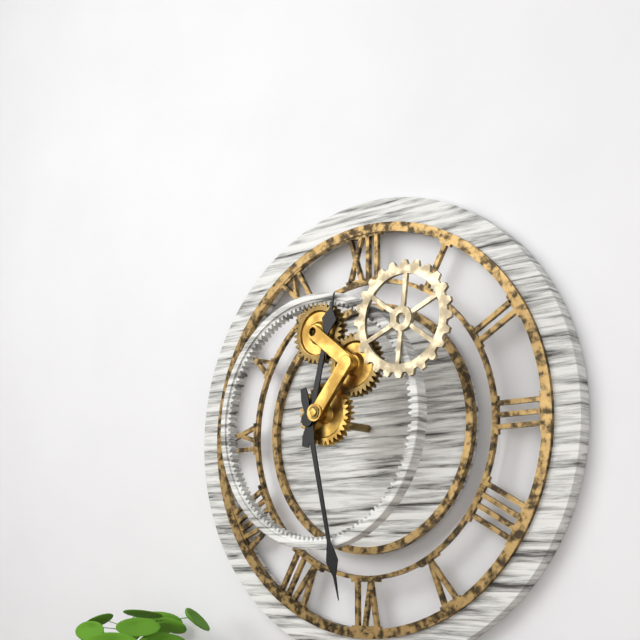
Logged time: {"hour": 12, "minute": 28}
